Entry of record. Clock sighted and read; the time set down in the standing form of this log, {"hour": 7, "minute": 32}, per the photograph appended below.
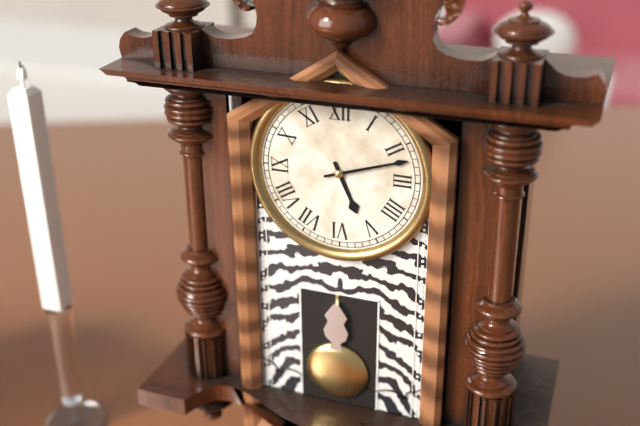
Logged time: {"hour": 5, "minute": 12}
